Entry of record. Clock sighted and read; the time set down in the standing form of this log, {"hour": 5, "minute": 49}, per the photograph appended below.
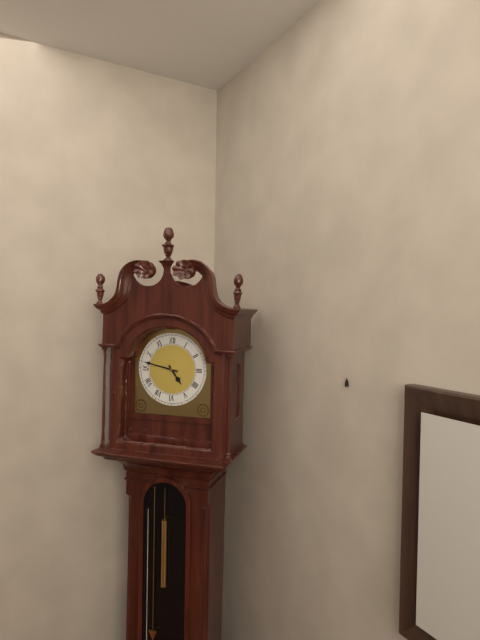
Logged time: {"hour": 4, "minute": 47}
